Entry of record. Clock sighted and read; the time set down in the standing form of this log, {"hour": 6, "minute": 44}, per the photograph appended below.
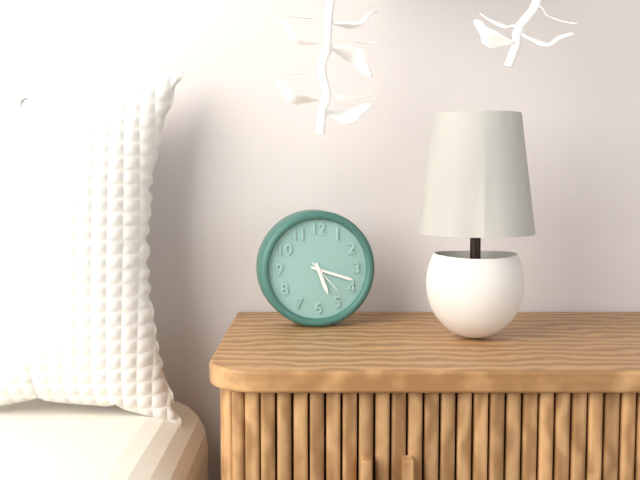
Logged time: {"hour": 5, "minute": 18}
